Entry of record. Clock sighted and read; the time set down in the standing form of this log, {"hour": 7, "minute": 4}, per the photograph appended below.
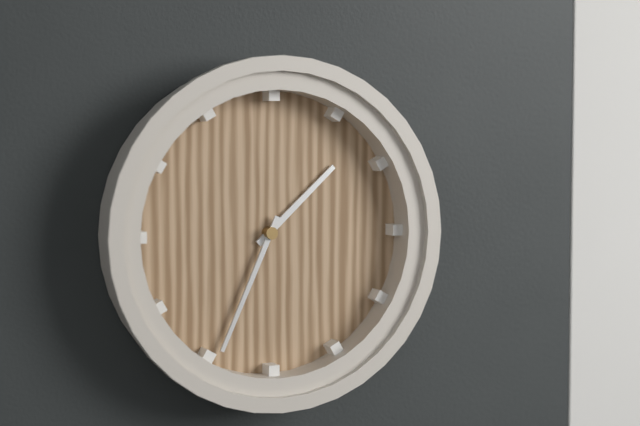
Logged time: {"hour": 1, "minute": 34}
